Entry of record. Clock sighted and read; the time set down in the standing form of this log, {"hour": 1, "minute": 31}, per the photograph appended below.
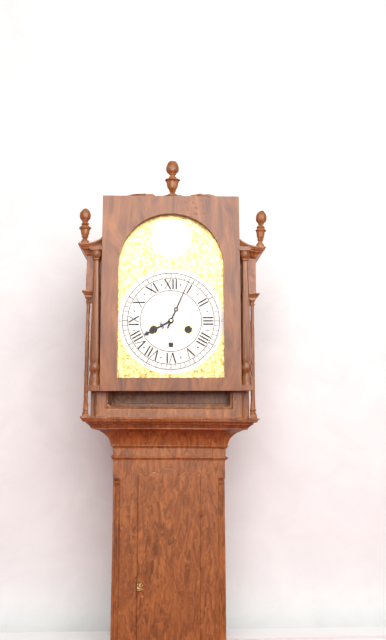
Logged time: {"hour": 8, "minute": 4}
